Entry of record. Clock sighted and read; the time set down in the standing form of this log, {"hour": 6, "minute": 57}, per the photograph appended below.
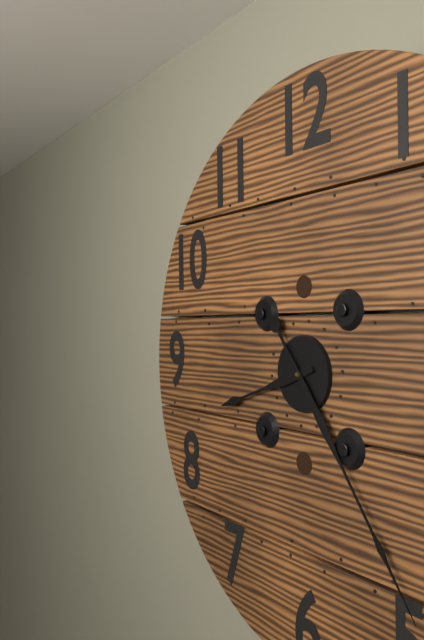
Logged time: {"hour": 8, "minute": 24}
